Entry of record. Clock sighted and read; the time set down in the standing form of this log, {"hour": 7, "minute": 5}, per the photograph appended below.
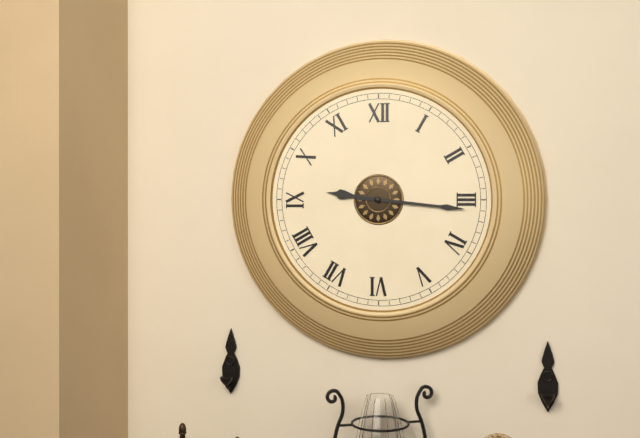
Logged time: {"hour": 9, "minute": 16}
